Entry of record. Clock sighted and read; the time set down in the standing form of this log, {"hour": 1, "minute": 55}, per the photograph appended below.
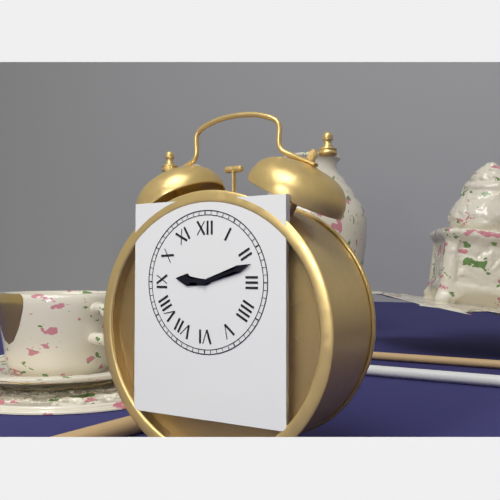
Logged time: {"hour": 9, "minute": 12}
